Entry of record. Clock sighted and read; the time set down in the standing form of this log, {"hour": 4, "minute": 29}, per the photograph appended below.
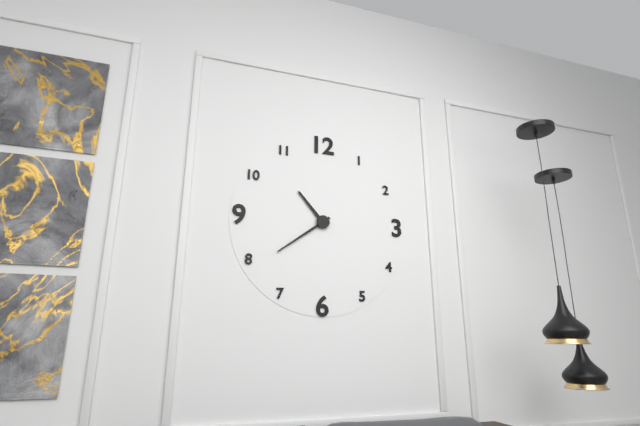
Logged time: {"hour": 10, "minute": 39}
